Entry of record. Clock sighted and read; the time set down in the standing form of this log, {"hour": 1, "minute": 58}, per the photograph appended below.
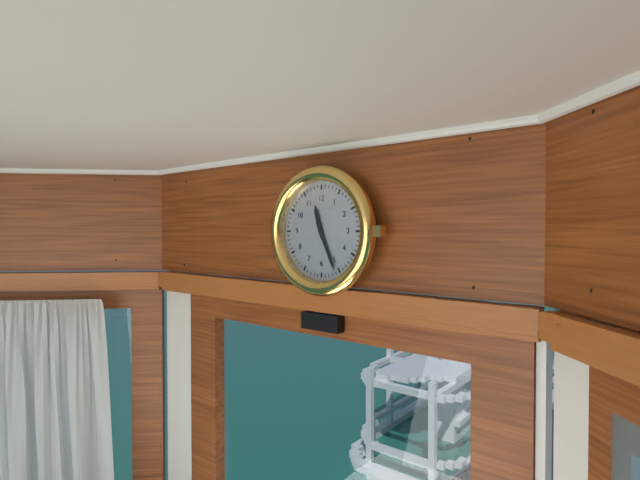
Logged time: {"hour": 11, "minute": 26}
